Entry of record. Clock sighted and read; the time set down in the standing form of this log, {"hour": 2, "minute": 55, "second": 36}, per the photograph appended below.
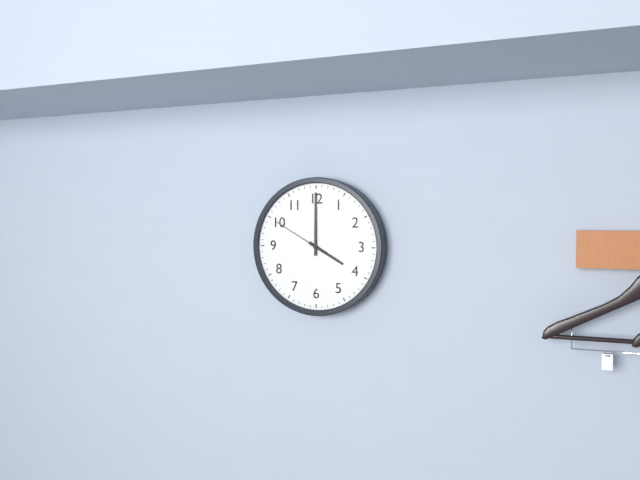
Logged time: {"hour": 4, "minute": 0, "second": 50}
